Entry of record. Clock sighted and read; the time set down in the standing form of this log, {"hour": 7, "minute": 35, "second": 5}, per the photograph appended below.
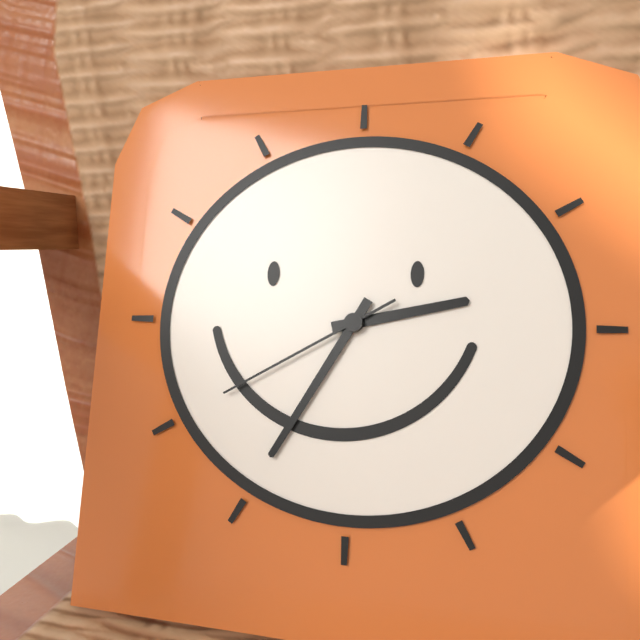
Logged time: {"hour": 2, "minute": 35, "second": 40}
